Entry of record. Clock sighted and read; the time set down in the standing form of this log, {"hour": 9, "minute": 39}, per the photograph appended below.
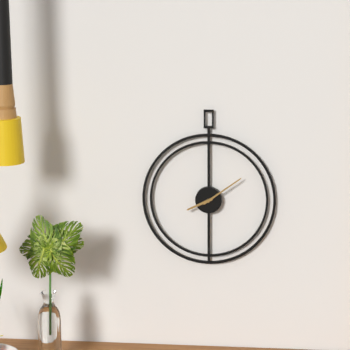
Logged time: {"hour": 8, "minute": 9}
